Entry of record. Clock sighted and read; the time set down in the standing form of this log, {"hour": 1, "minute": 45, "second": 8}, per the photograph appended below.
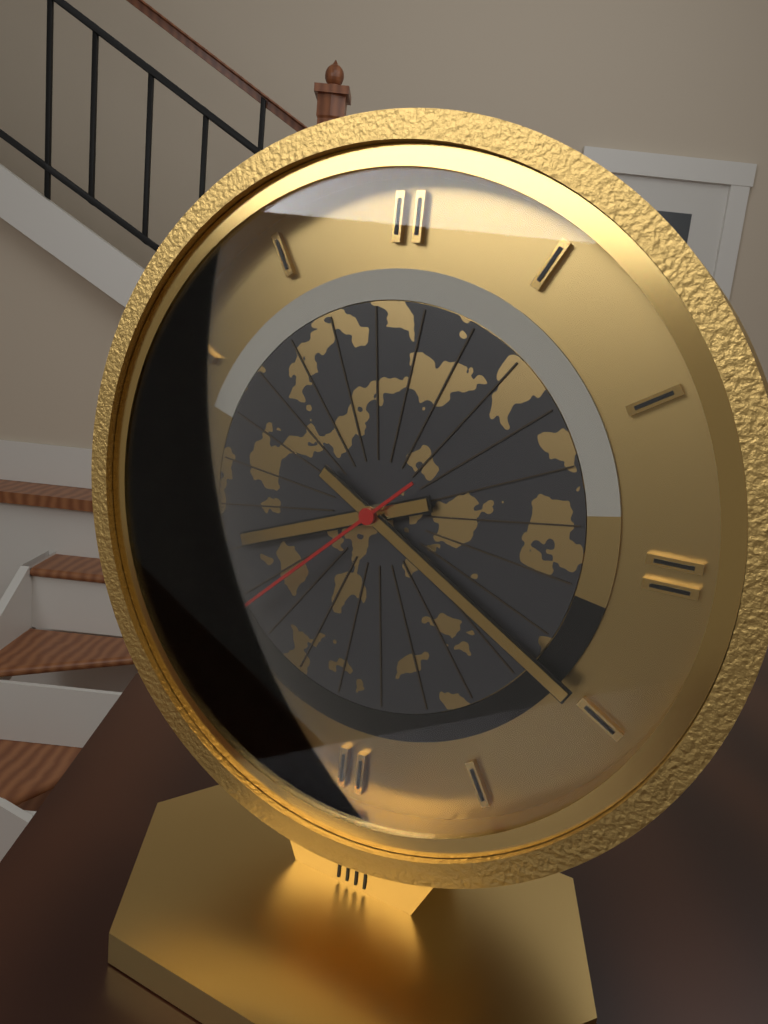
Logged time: {"hour": 8, "minute": 20, "second": 38}
